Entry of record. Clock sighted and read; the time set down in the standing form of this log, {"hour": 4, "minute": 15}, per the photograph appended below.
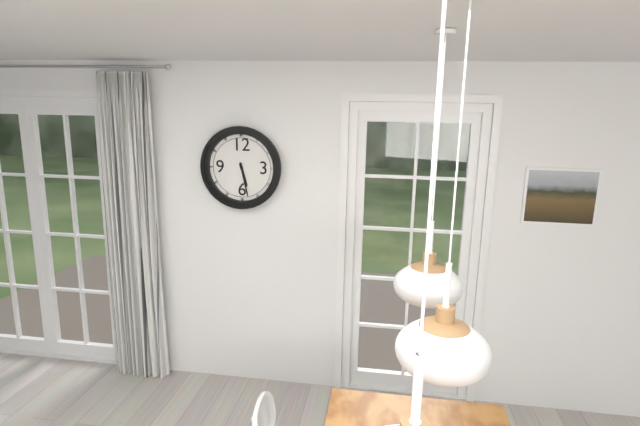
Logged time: {"hour": 5, "minute": 28}
